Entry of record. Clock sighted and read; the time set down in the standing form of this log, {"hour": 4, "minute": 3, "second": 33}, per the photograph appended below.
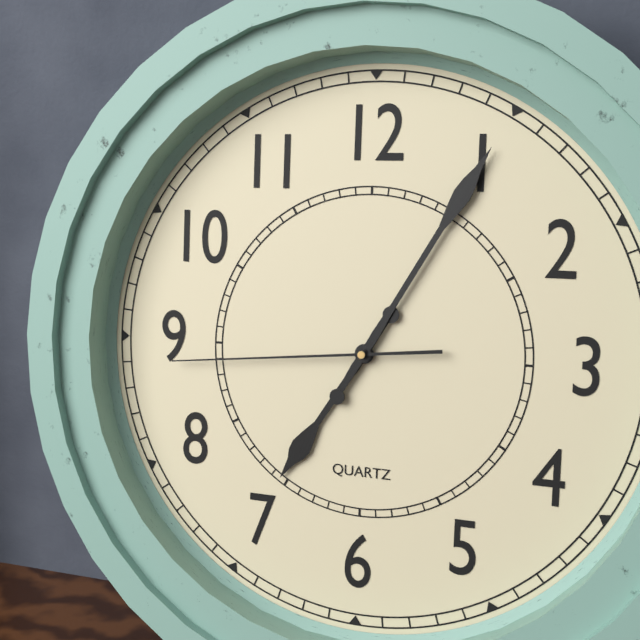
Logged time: {"hour": 7, "minute": 5, "second": 44}
